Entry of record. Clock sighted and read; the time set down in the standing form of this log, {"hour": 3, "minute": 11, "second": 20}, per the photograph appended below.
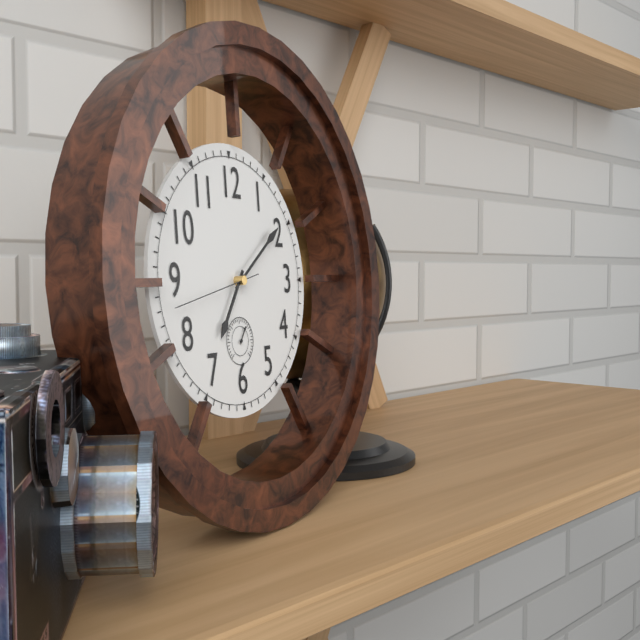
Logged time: {"hour": 7, "minute": 9, "second": 43}
